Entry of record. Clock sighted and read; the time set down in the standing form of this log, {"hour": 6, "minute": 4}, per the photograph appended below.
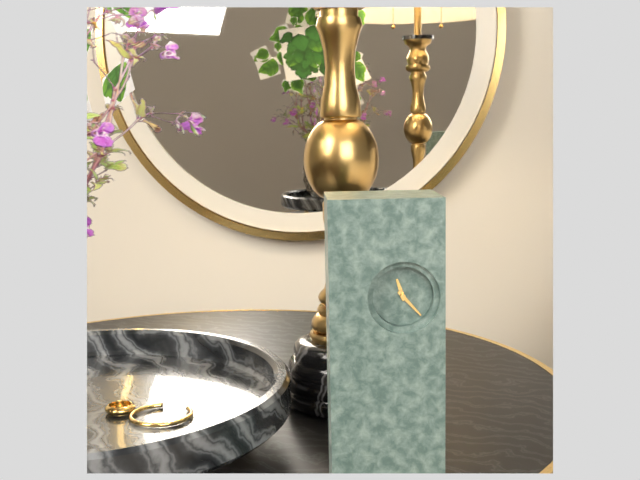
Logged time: {"hour": 11, "minute": 23}
